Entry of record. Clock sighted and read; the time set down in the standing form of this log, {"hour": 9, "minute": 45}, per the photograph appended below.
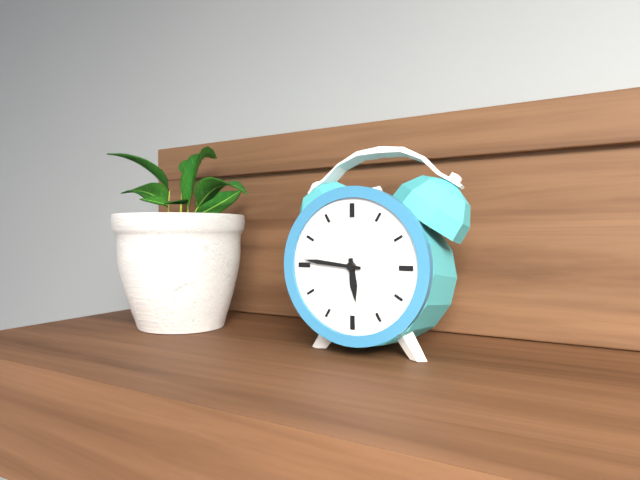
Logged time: {"hour": 5, "minute": 46}
